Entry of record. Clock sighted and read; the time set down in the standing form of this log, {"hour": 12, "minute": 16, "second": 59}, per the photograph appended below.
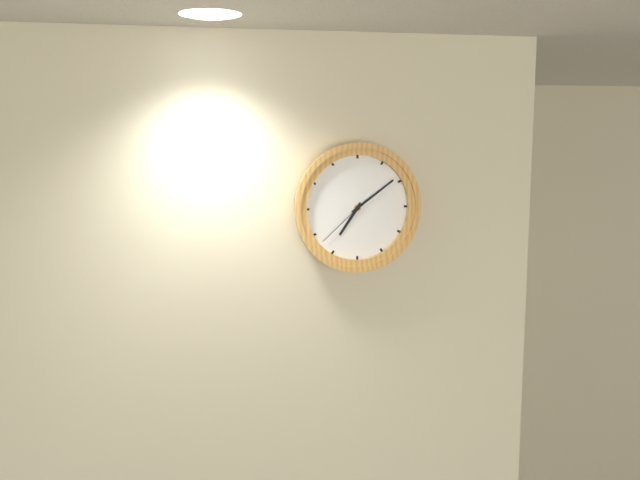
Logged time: {"hour": 7, "minute": 9, "second": 38}
